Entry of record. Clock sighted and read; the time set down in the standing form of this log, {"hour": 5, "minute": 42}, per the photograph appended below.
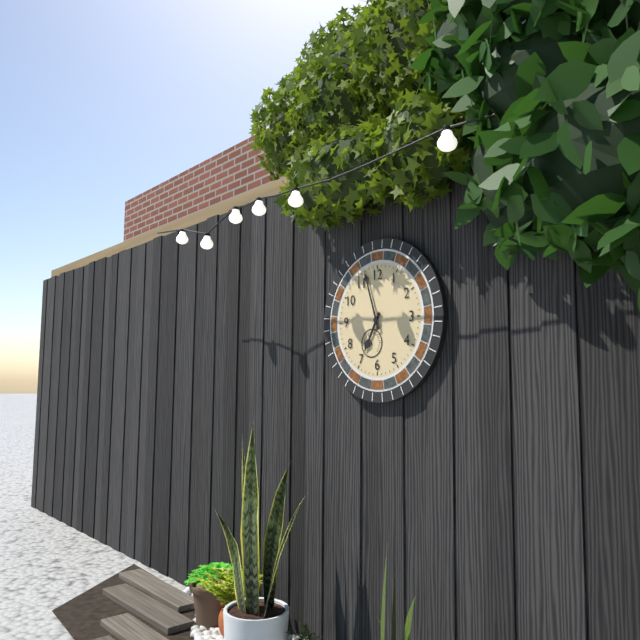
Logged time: {"hour": 6, "minute": 57}
